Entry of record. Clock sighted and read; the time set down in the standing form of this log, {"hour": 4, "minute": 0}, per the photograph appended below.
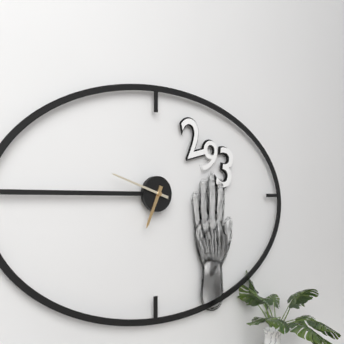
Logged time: {"hour": 6, "minute": 48}
